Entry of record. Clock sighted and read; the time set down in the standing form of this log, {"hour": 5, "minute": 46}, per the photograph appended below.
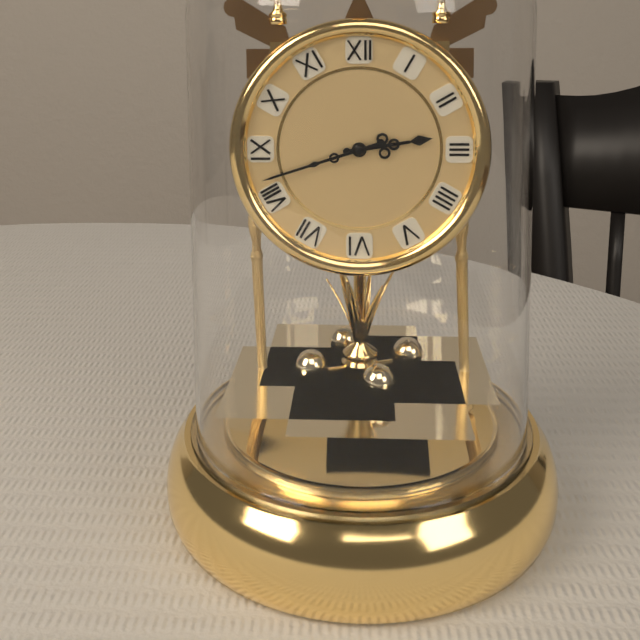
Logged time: {"hour": 2, "minute": 42}
